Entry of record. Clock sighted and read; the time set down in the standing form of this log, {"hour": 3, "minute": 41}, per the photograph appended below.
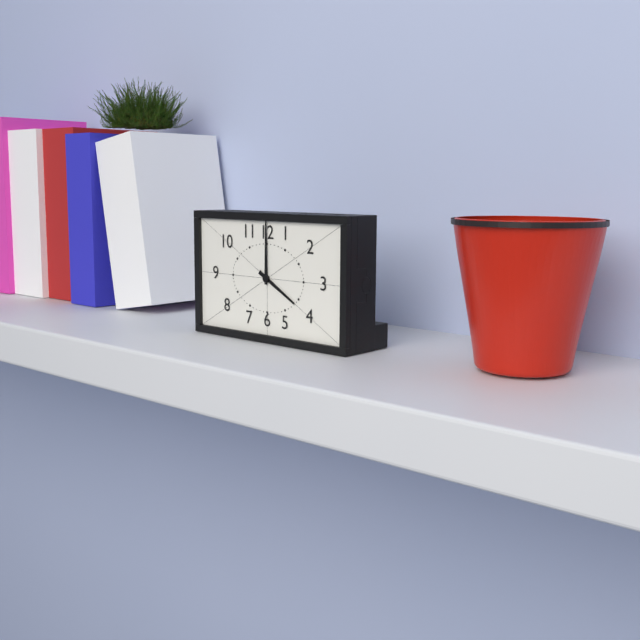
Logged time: {"hour": 4, "minute": 0}
